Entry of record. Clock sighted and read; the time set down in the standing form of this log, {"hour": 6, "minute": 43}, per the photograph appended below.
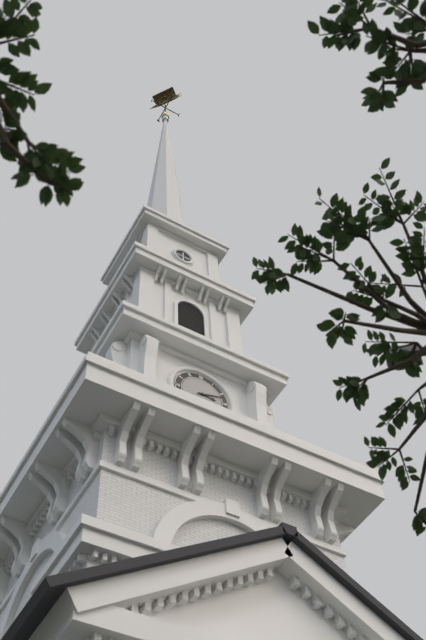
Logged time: {"hour": 3, "minute": 12}
